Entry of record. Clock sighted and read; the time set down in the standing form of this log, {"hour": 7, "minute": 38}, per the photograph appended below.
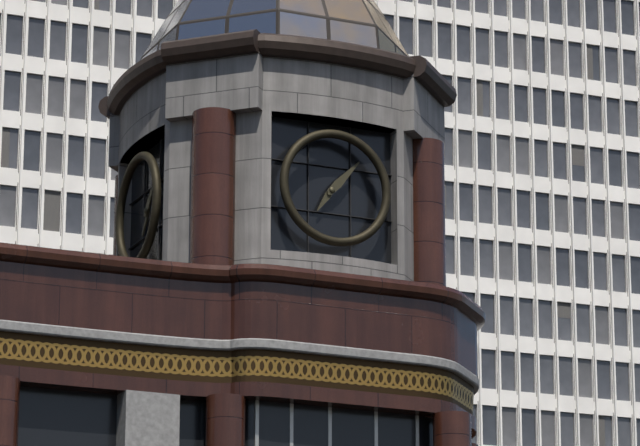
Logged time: {"hour": 7, "minute": 7}
